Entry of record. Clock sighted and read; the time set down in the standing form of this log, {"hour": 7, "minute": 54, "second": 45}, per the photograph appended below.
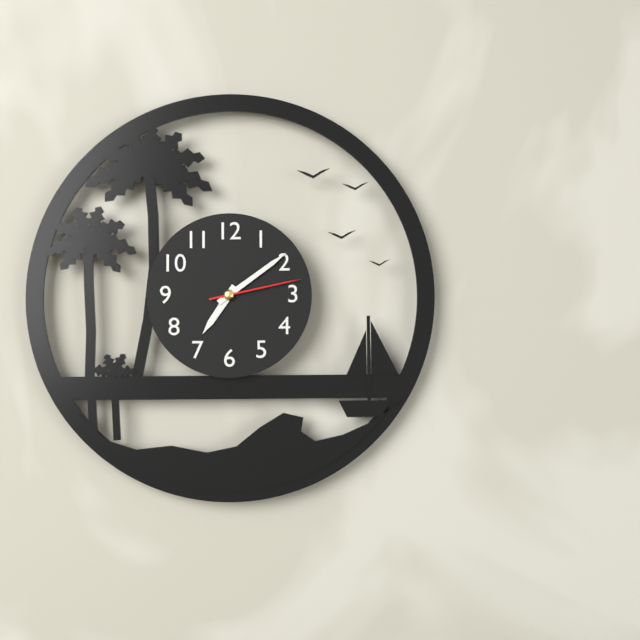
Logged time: {"hour": 7, "minute": 9, "second": 13}
